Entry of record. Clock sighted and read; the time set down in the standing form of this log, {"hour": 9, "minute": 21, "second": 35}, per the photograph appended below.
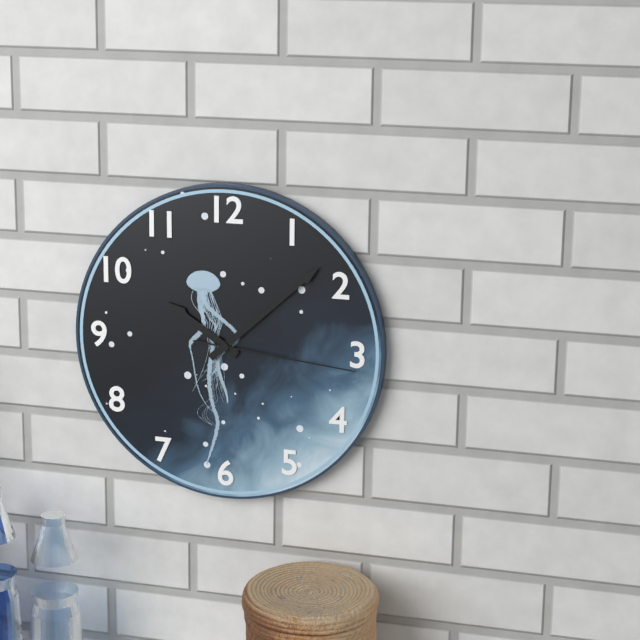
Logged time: {"hour": 10, "minute": 8, "second": 16}
